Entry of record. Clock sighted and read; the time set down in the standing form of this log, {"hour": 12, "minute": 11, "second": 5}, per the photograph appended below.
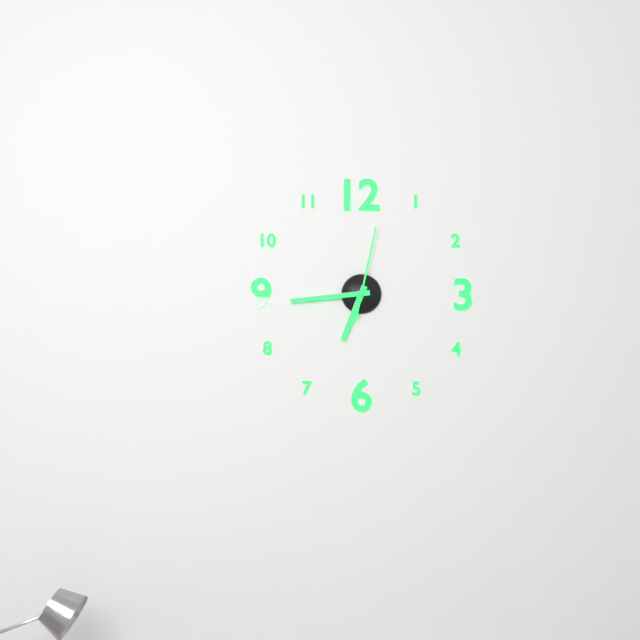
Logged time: {"hour": 6, "minute": 44, "second": 2}
